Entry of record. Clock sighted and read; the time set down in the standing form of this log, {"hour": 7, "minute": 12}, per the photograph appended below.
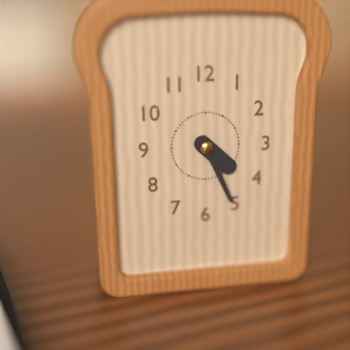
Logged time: {"hour": 4, "minute": 26}
